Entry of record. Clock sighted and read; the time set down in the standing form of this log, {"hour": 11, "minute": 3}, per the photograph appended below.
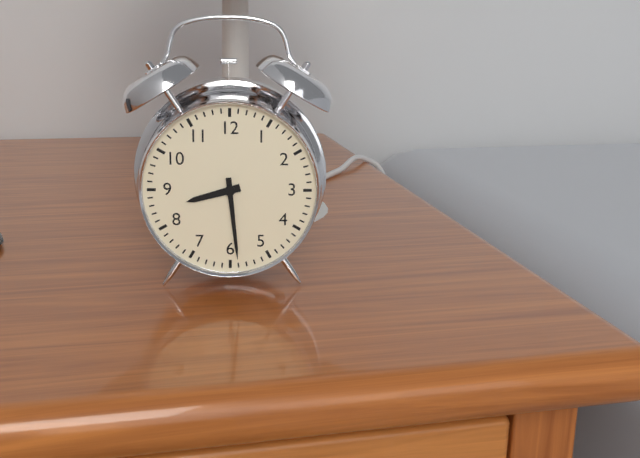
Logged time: {"hour": 8, "minute": 29}
